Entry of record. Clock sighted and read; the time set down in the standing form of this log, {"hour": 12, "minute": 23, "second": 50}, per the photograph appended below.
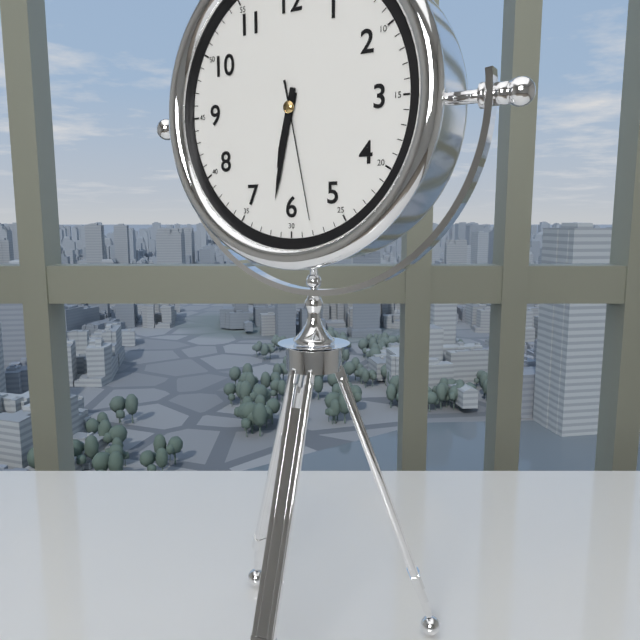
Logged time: {"hour": 6, "minute": 32, "second": 28}
